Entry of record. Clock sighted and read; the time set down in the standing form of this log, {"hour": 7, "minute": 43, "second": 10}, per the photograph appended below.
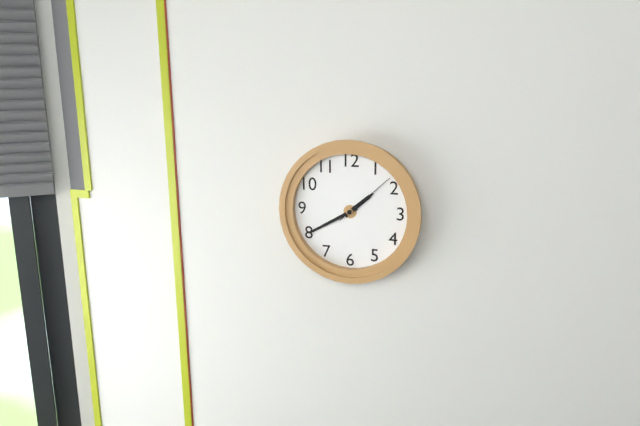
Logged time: {"hour": 1, "minute": 40, "second": 8}
